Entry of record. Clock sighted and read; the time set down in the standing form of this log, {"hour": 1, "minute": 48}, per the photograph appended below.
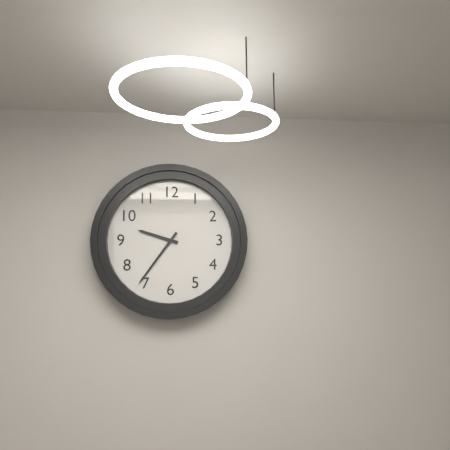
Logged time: {"hour": 9, "minute": 36}
